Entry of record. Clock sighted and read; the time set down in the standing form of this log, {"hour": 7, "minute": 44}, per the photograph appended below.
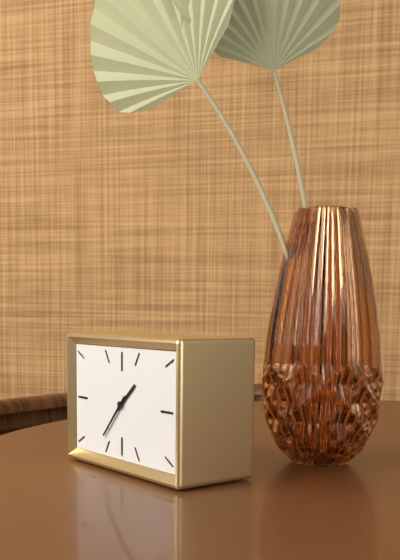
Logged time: {"hour": 1, "minute": 37}
